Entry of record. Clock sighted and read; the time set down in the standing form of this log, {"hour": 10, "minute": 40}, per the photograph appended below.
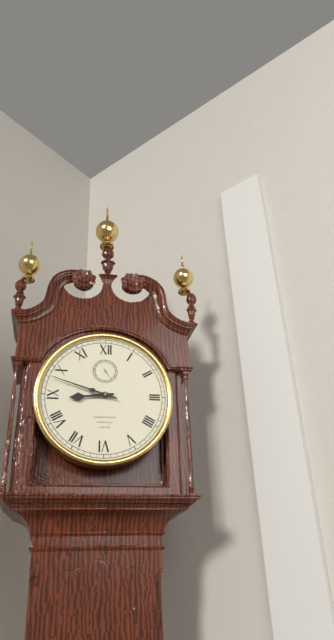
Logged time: {"hour": 8, "minute": 48}
